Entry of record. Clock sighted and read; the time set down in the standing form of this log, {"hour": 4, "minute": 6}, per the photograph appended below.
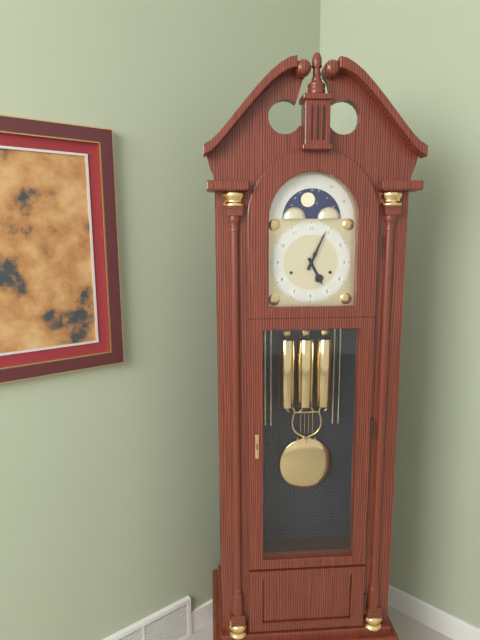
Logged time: {"hour": 5, "minute": 4}
